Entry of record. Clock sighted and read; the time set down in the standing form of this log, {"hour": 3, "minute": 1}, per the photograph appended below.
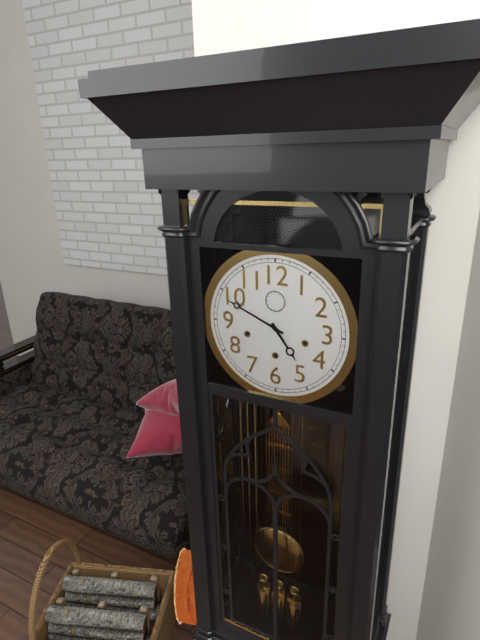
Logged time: {"hour": 4, "minute": 49}
